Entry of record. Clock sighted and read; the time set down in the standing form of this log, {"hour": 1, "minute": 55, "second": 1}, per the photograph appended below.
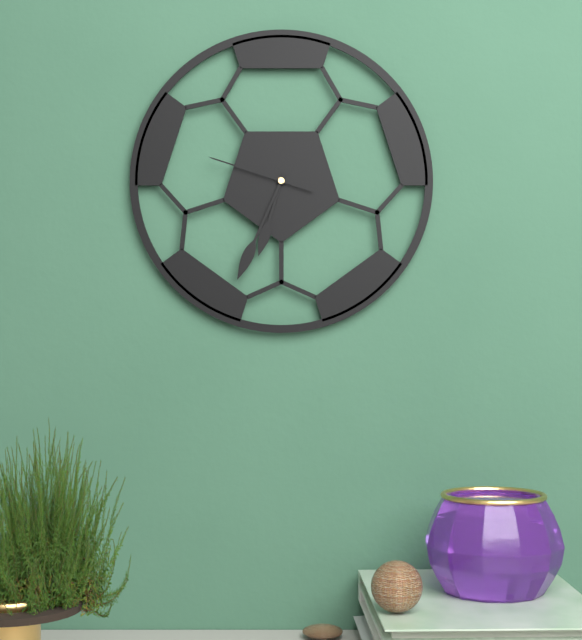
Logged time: {"hour": 6, "minute": 34, "second": 48}
